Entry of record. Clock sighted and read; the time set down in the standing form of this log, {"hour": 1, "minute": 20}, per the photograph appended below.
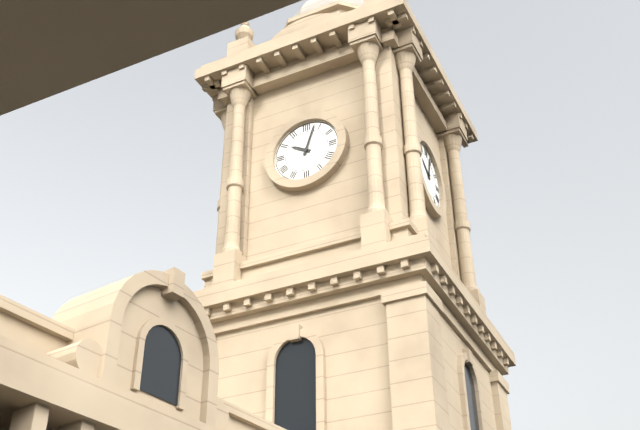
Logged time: {"hour": 10, "minute": 3}
